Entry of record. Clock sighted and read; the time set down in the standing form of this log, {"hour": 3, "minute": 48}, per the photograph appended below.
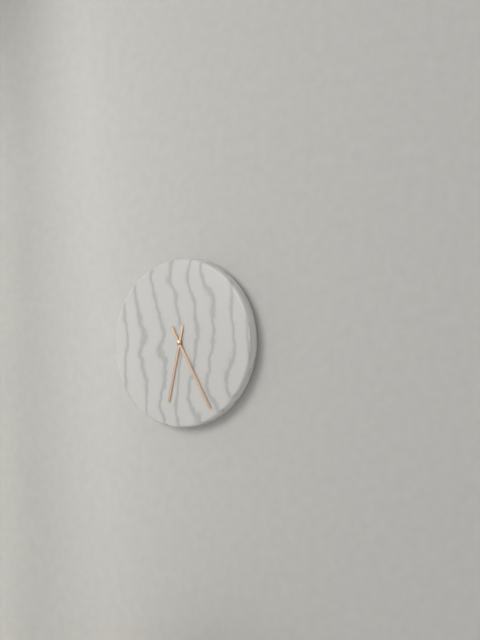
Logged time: {"hour": 6, "minute": 25}
